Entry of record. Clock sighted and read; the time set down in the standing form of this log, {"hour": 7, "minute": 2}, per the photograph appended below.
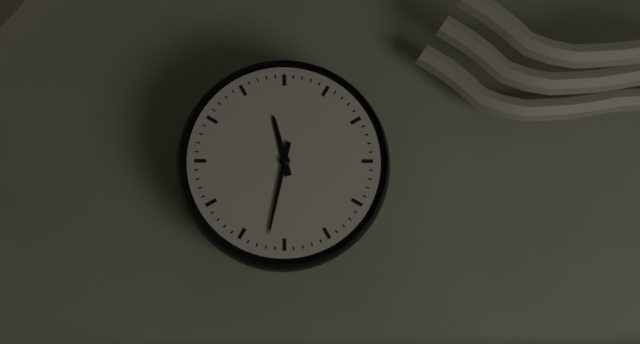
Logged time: {"hour": 11, "minute": 32}
